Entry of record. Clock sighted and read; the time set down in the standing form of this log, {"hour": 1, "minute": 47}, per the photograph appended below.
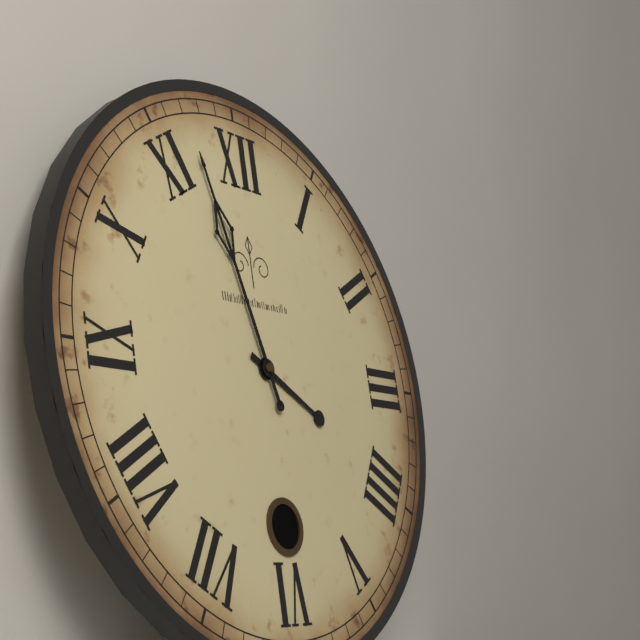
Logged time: {"hour": 3, "minute": 57}
